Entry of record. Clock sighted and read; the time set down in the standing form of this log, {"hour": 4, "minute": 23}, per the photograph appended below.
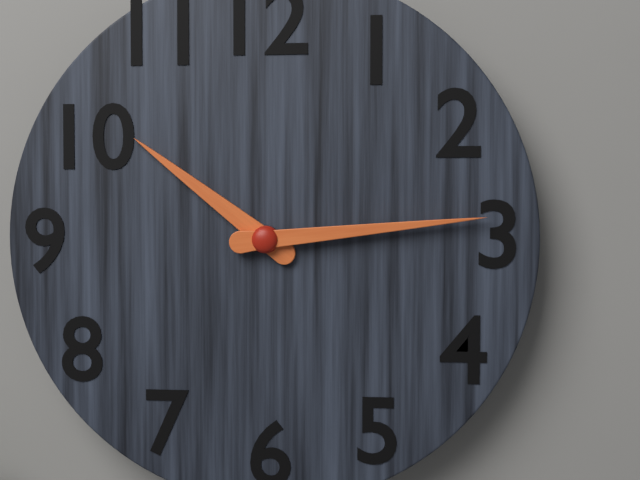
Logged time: {"hour": 10, "minute": 14}
